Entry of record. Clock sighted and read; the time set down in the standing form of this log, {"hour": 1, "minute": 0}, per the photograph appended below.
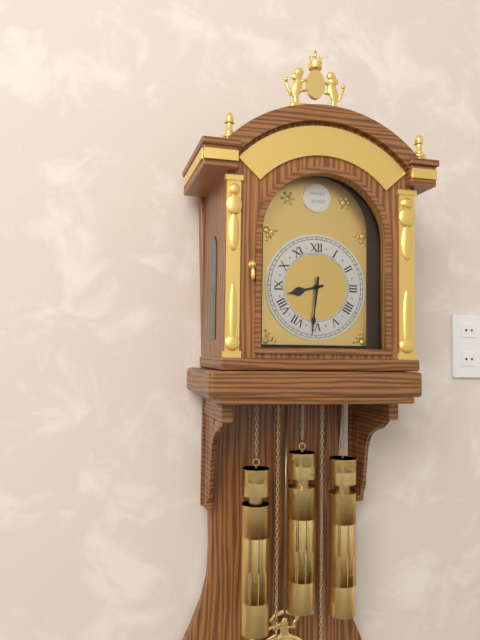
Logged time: {"hour": 8, "minute": 31}
